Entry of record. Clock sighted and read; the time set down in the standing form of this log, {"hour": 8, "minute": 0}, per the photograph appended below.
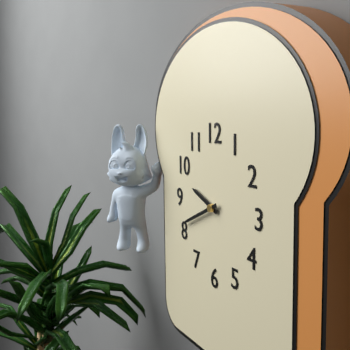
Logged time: {"hour": 9, "minute": 41}
